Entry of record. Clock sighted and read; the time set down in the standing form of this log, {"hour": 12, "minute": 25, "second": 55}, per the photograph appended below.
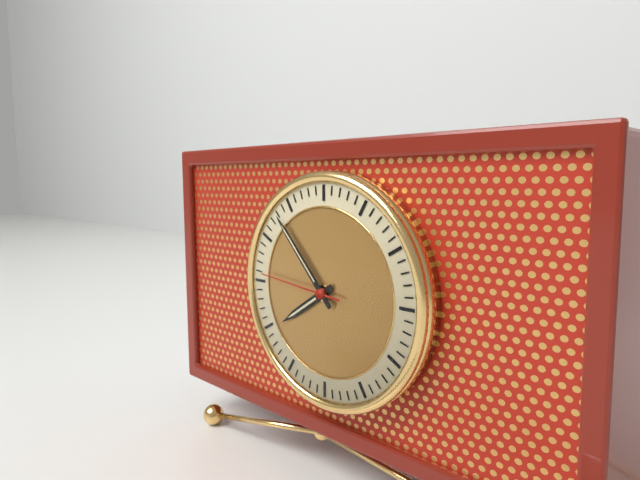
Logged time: {"hour": 7, "minute": 53, "second": 46}
